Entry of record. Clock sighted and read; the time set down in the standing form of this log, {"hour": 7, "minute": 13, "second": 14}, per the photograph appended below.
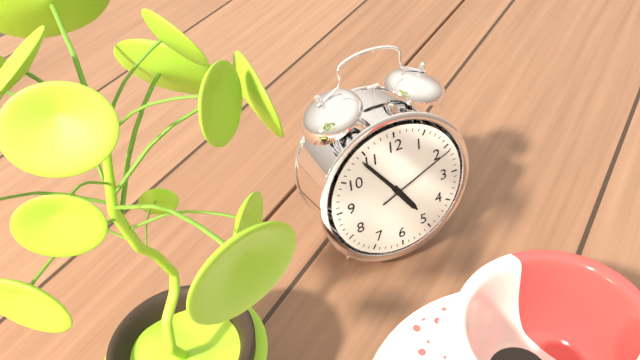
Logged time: {"hour": 4, "minute": 54, "second": 11}
